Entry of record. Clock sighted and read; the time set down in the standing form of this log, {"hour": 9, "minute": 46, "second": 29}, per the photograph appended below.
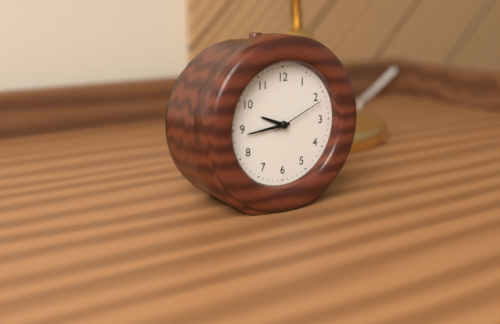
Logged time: {"hour": 9, "minute": 44, "second": 11}
